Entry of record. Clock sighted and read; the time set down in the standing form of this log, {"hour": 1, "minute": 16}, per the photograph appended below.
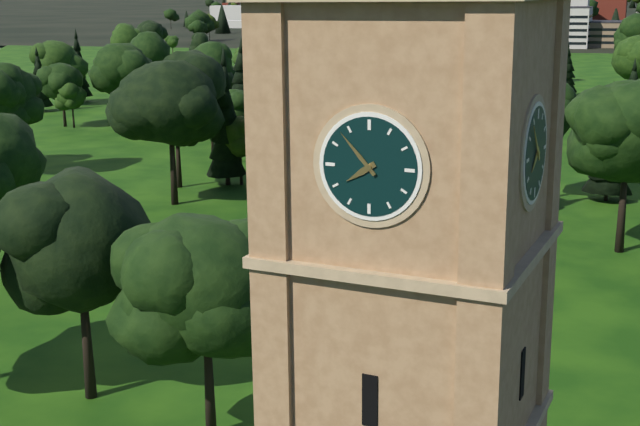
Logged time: {"hour": 7, "minute": 53}
